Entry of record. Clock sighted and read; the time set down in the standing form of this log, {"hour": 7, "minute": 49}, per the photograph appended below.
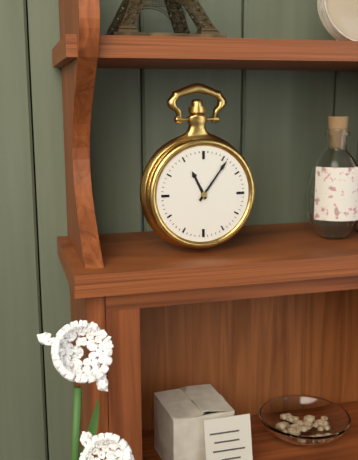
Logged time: {"hour": 11, "minute": 6}
